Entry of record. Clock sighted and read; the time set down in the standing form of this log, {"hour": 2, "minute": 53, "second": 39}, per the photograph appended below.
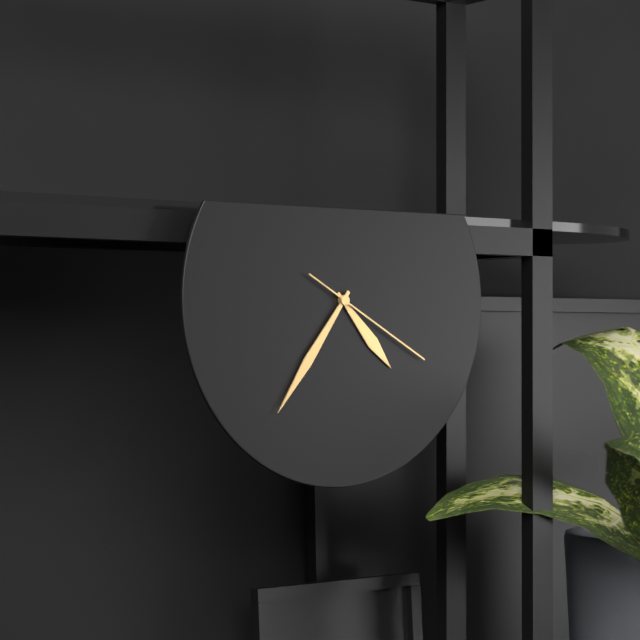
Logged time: {"hour": 4, "minute": 36, "second": 20}
